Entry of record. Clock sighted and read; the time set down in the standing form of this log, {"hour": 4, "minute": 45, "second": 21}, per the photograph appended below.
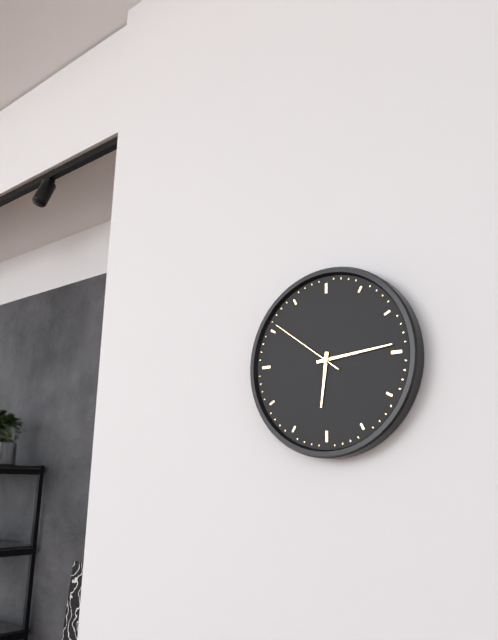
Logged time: {"hour": 6, "minute": 14, "second": 51}
